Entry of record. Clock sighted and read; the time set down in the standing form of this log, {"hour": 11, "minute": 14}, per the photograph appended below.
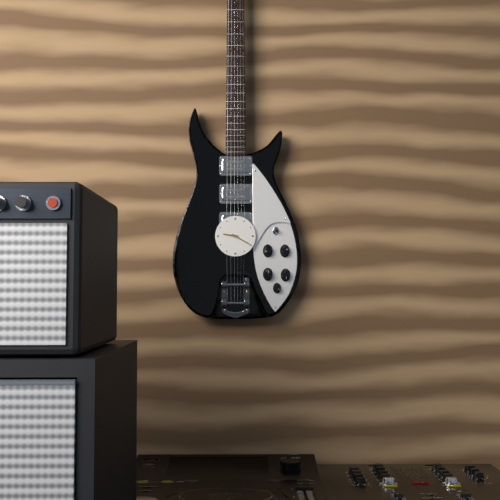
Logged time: {"hour": 9, "minute": 20}
